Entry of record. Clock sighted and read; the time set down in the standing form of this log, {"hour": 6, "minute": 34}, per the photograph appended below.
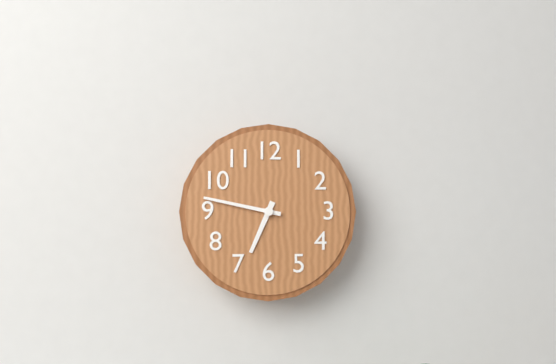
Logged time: {"hour": 6, "minute": 47}
